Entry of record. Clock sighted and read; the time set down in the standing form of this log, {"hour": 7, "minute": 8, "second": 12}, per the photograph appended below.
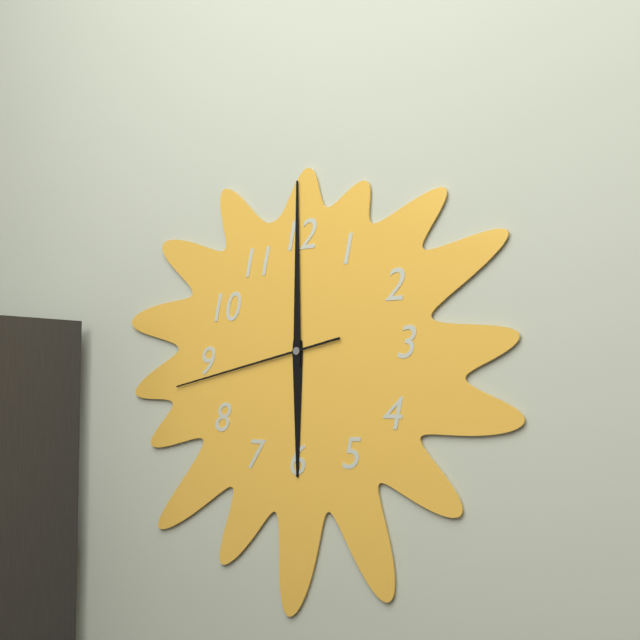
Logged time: {"hour": 6, "minute": 0, "second": 43}
